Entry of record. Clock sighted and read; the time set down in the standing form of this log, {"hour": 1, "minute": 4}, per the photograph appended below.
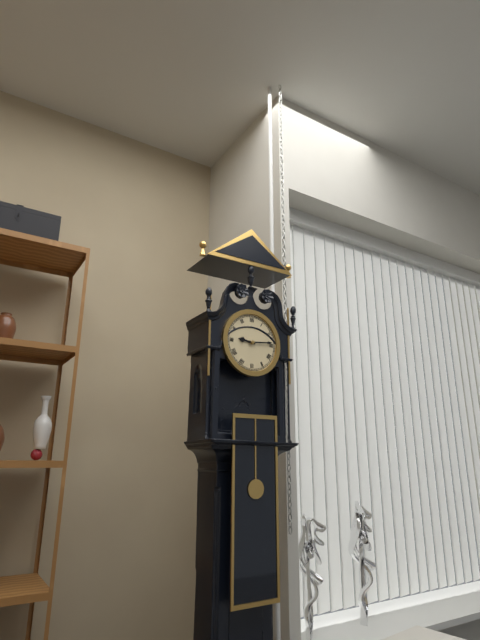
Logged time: {"hour": 9, "minute": 14}
